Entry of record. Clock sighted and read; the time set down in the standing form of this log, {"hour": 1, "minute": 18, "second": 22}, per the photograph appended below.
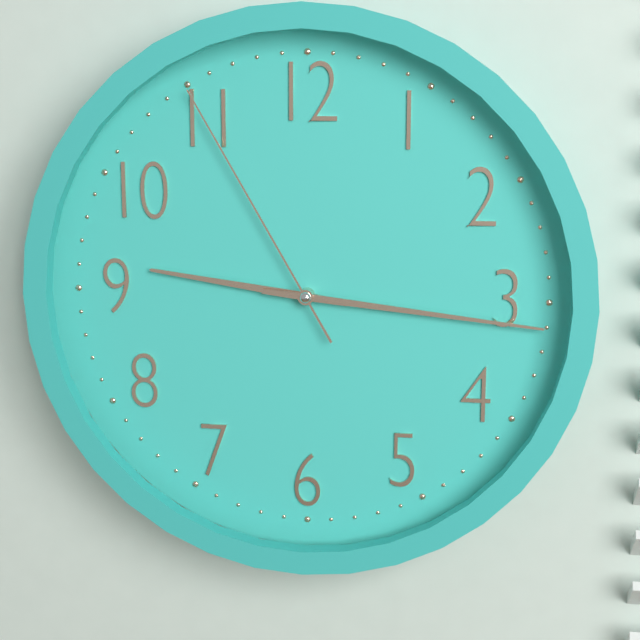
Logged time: {"hour": 9, "minute": 16, "second": 55}
